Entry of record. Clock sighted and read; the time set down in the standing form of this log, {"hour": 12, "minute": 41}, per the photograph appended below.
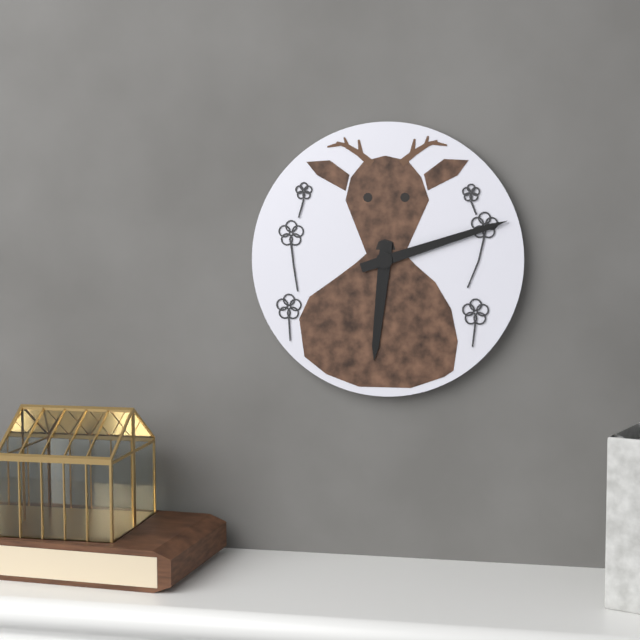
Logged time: {"hour": 6, "minute": 12}
